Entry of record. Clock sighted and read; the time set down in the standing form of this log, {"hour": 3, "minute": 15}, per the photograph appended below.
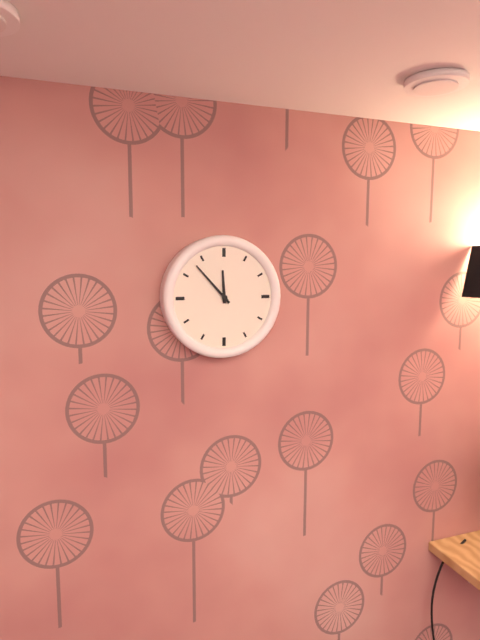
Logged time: {"hour": 11, "minute": 53}
